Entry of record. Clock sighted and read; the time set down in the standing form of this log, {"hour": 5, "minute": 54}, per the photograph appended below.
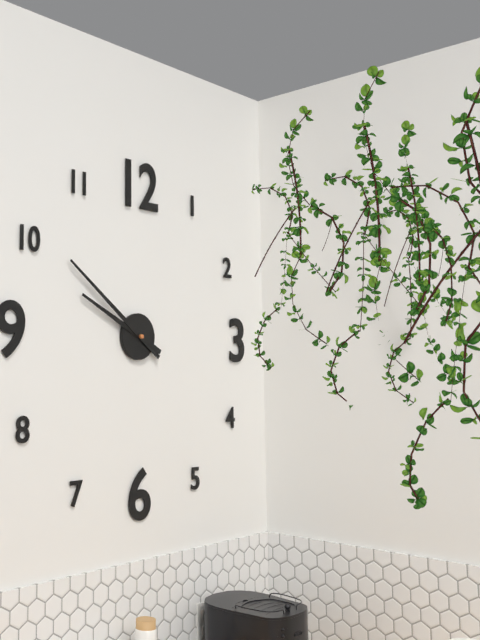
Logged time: {"hour": 9, "minute": 51}
